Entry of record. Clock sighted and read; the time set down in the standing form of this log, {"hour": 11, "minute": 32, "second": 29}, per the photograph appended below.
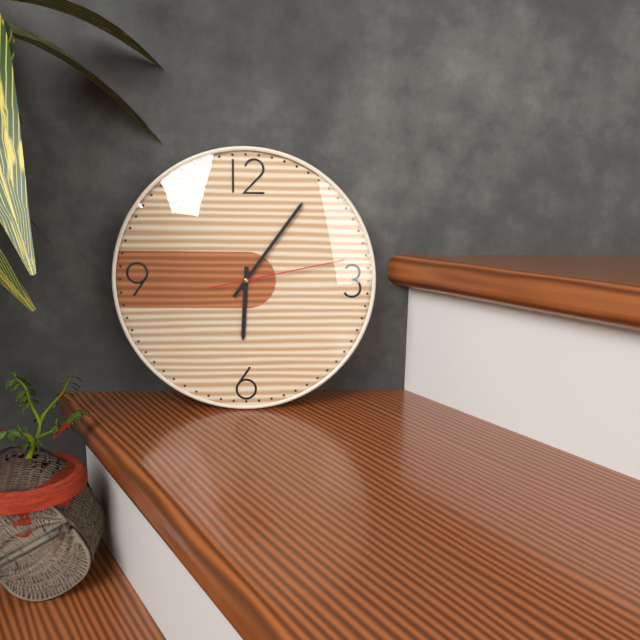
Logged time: {"hour": 6, "minute": 6, "second": 13}
